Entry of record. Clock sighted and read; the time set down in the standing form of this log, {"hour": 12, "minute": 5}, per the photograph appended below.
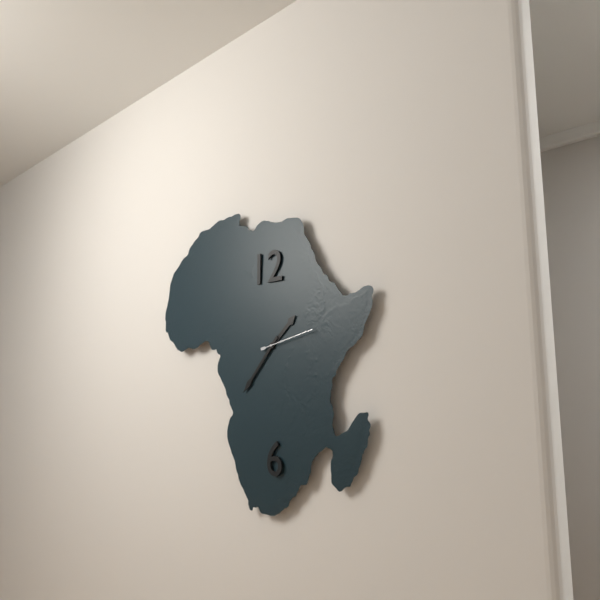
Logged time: {"hour": 1, "minute": 37}
